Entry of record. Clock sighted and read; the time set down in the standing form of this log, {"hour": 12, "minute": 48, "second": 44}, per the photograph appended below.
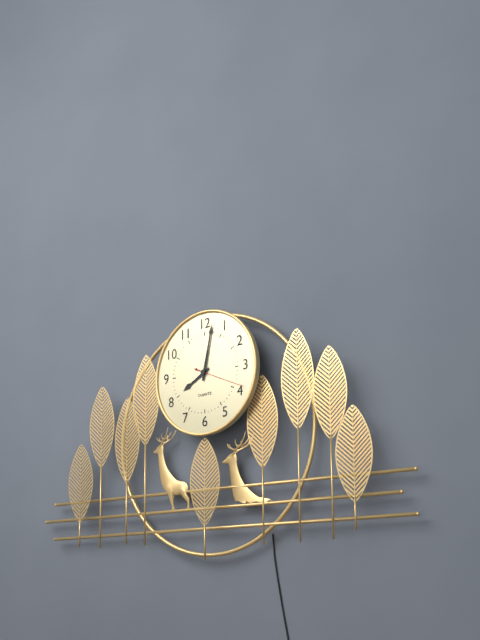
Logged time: {"hour": 8, "minute": 2, "second": 19}
